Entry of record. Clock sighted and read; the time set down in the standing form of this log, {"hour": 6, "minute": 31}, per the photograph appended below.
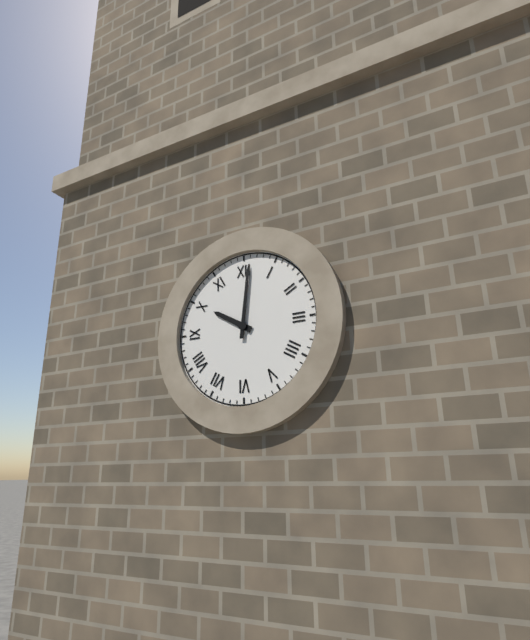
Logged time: {"hour": 10, "minute": 1}
